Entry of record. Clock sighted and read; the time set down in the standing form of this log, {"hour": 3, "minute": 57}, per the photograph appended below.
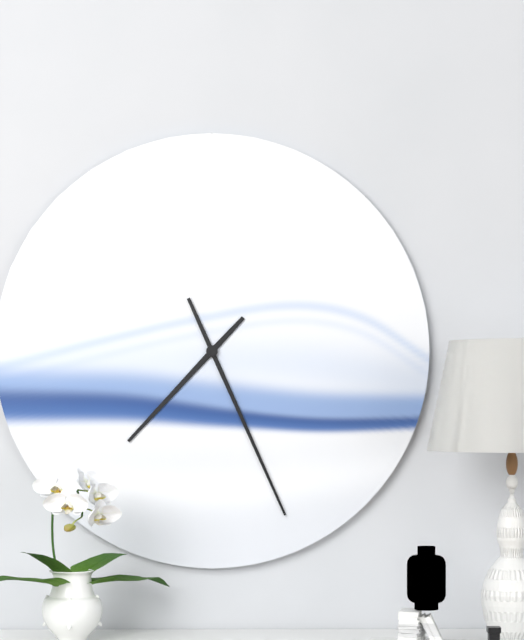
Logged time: {"hour": 7, "minute": 26}
